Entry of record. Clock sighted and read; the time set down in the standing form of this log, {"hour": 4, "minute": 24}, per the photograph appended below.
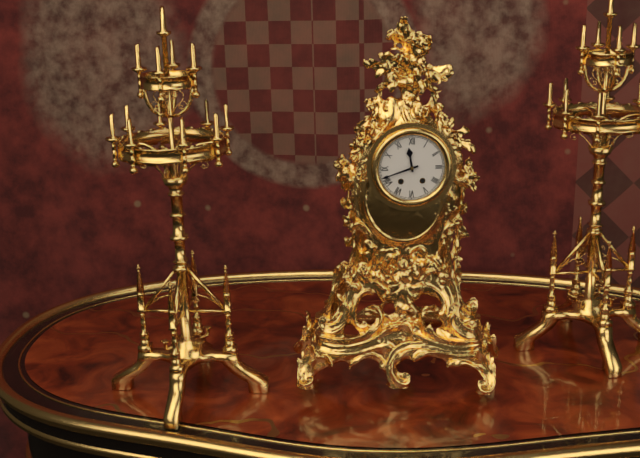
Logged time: {"hour": 11, "minute": 42}
